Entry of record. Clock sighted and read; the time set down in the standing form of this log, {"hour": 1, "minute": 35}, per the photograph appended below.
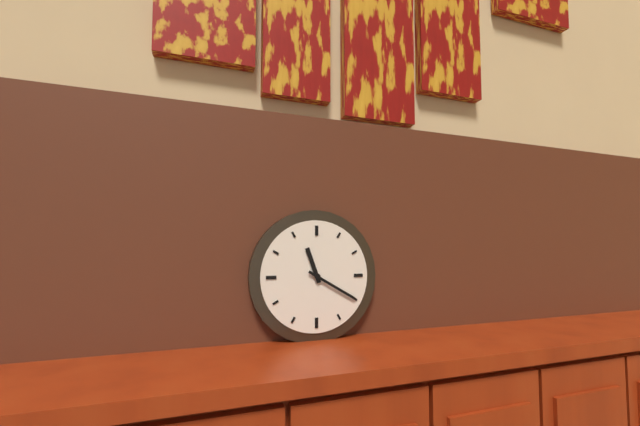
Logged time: {"hour": 11, "minute": 20}
